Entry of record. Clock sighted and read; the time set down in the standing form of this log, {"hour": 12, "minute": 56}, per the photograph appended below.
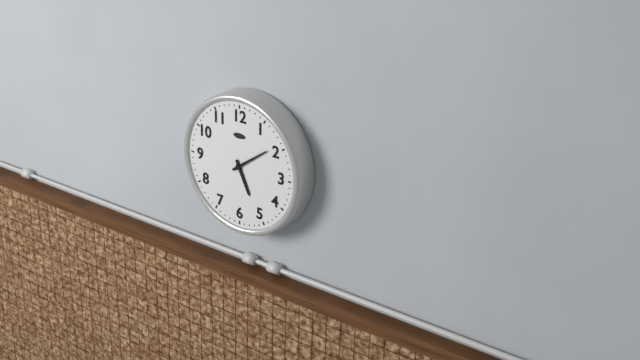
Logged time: {"hour": 5, "minute": 9}
